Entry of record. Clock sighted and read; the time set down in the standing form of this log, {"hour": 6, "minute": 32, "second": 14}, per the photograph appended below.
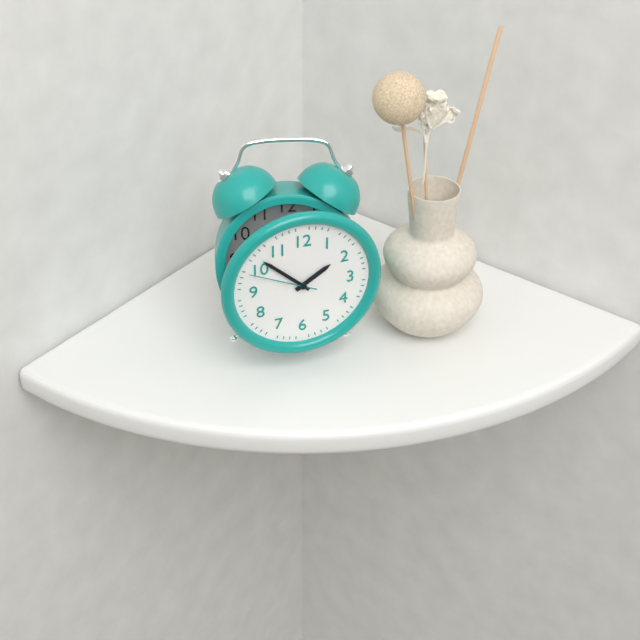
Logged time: {"hour": 1, "minute": 52, "second": 49}
